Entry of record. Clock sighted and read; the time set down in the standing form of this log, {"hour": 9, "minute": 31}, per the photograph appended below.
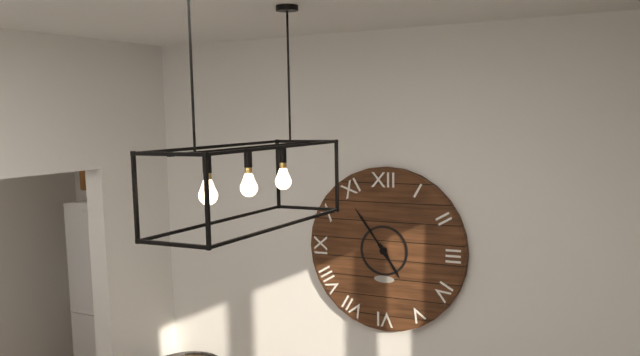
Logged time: {"hour": 4, "minute": 54}
